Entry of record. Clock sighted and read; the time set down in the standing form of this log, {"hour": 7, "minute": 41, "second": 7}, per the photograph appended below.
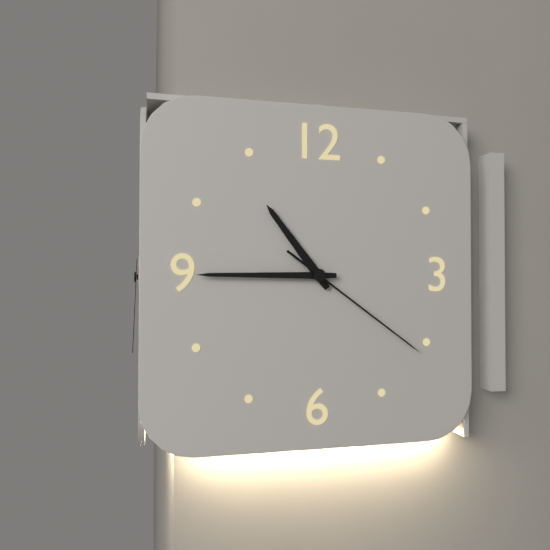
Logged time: {"hour": 10, "minute": 45, "second": 21}
